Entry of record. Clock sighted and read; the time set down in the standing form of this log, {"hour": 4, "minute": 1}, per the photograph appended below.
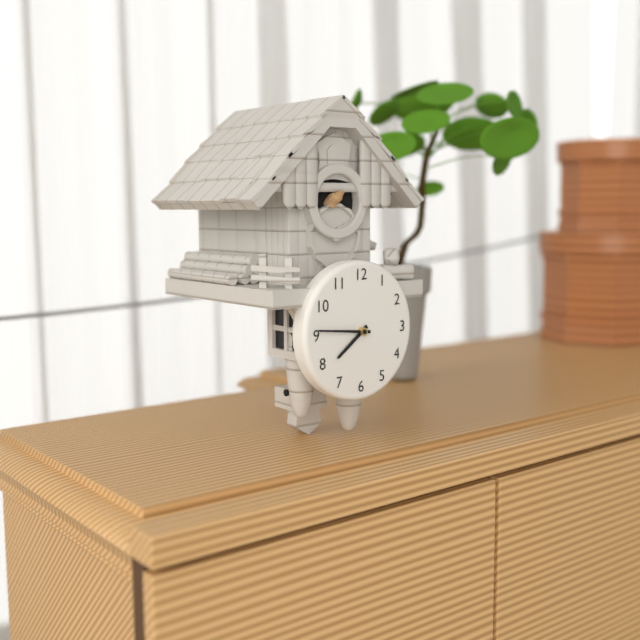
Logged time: {"hour": 7, "minute": 46}
